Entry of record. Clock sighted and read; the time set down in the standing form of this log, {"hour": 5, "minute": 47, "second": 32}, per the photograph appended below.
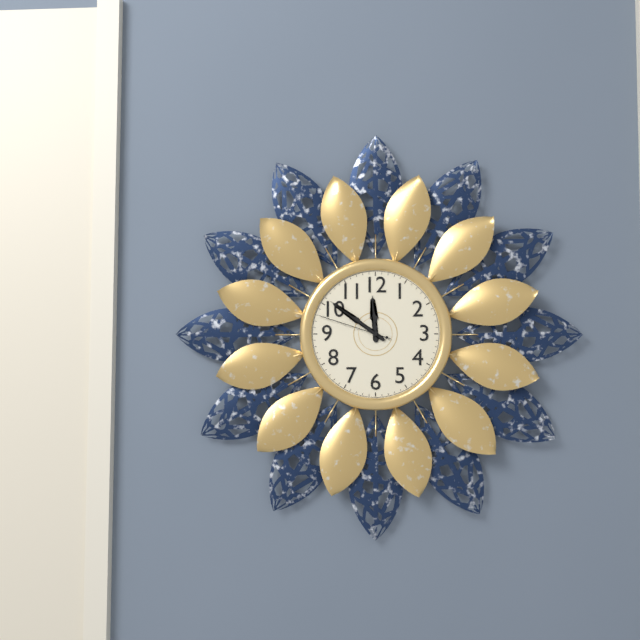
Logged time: {"hour": 11, "minute": 51, "second": 48}
